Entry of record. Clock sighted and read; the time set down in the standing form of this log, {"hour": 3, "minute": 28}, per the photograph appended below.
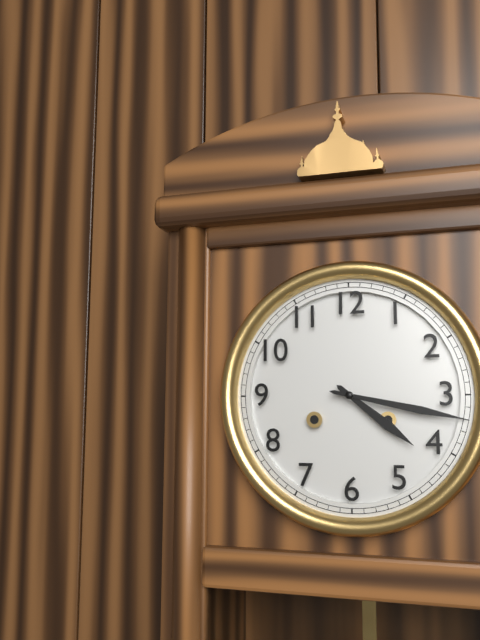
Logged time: {"hour": 4, "minute": 17}
